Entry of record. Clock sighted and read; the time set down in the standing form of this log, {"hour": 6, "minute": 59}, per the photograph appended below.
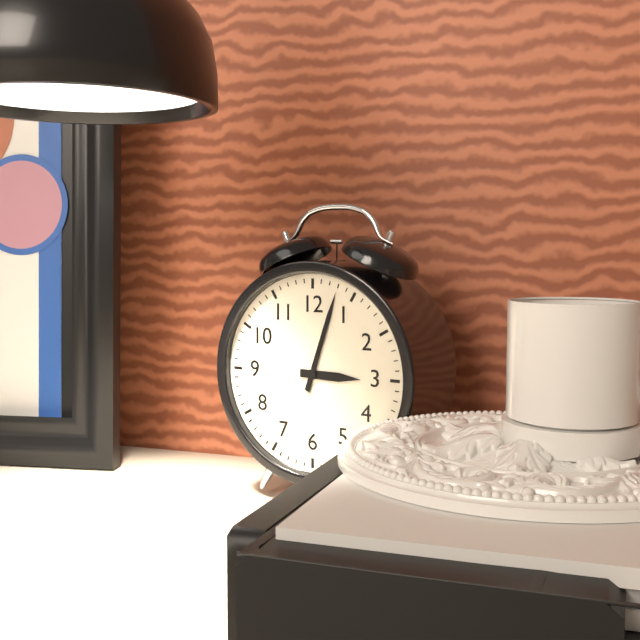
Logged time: {"hour": 3, "minute": 3}
